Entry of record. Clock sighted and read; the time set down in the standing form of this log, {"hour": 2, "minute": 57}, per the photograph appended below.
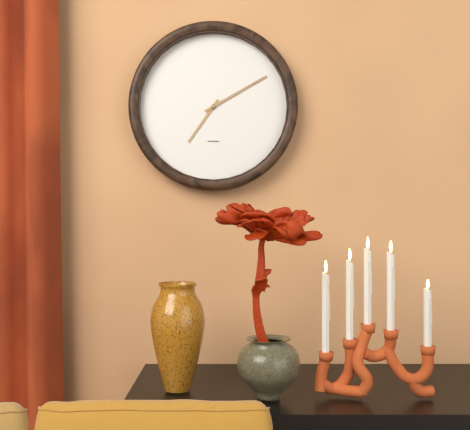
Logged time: {"hour": 7, "minute": 10}
